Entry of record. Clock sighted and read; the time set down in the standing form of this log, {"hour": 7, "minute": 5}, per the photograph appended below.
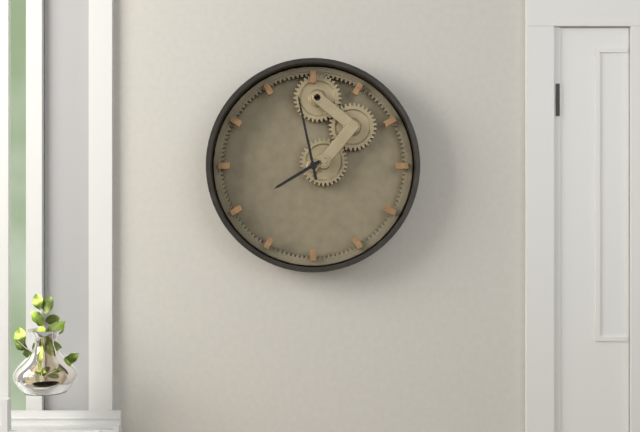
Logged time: {"hour": 7, "minute": 58}
